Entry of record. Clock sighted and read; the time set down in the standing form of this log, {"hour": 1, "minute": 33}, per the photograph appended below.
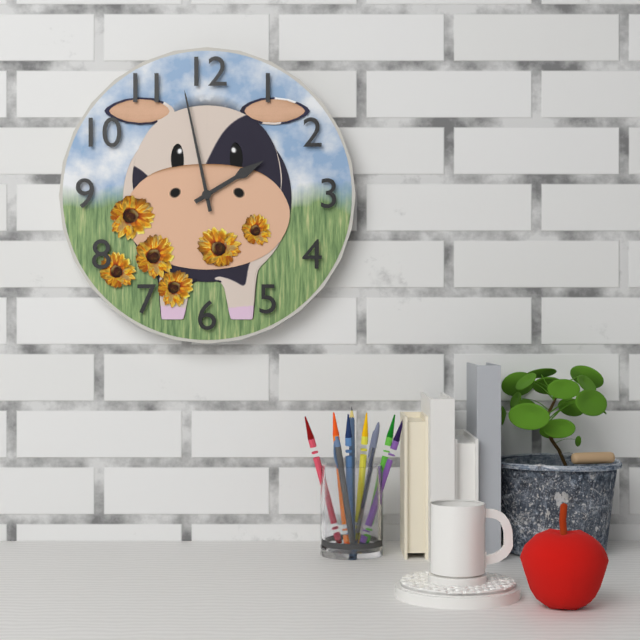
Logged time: {"hour": 1, "minute": 58}
